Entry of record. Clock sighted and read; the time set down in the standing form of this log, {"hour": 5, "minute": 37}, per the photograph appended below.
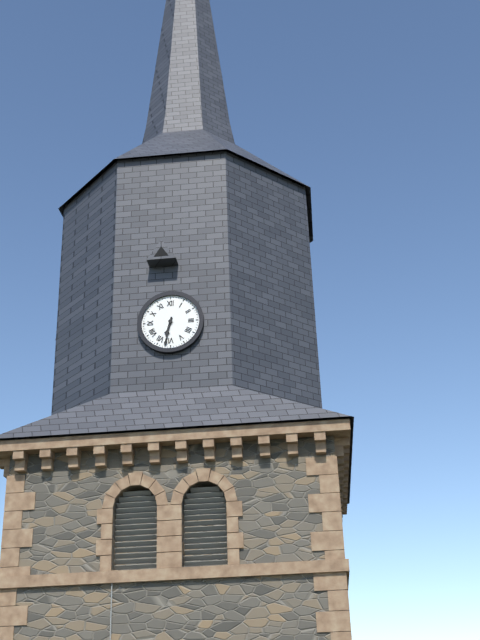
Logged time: {"hour": 6, "minute": 32}
